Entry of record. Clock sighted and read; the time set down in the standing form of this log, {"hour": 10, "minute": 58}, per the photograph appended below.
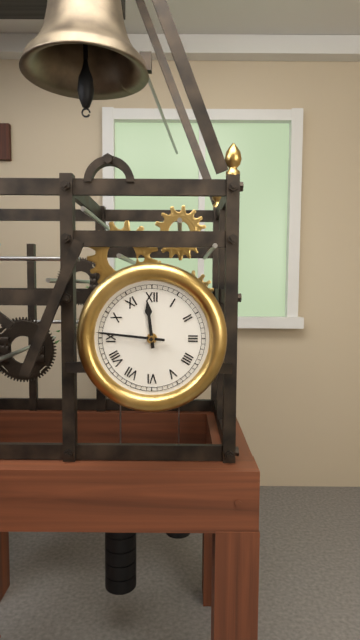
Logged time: {"hour": 11, "minute": 46}
